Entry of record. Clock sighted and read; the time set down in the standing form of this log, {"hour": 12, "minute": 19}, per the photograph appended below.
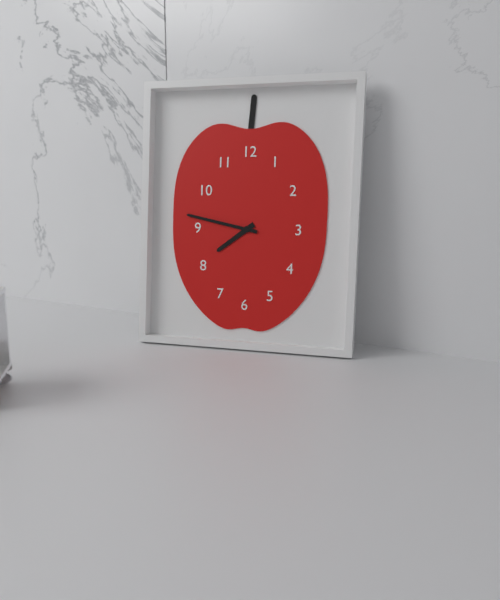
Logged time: {"hour": 7, "minute": 47}
